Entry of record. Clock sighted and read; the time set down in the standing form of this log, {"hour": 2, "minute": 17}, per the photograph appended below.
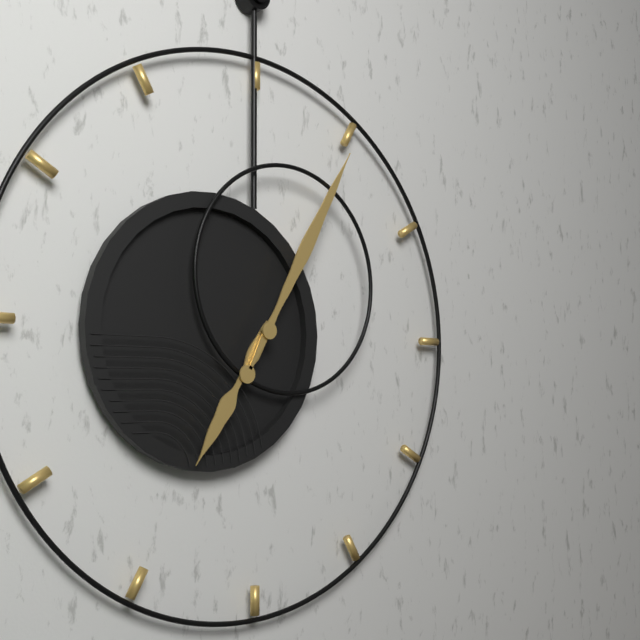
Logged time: {"hour": 7, "minute": 5}
